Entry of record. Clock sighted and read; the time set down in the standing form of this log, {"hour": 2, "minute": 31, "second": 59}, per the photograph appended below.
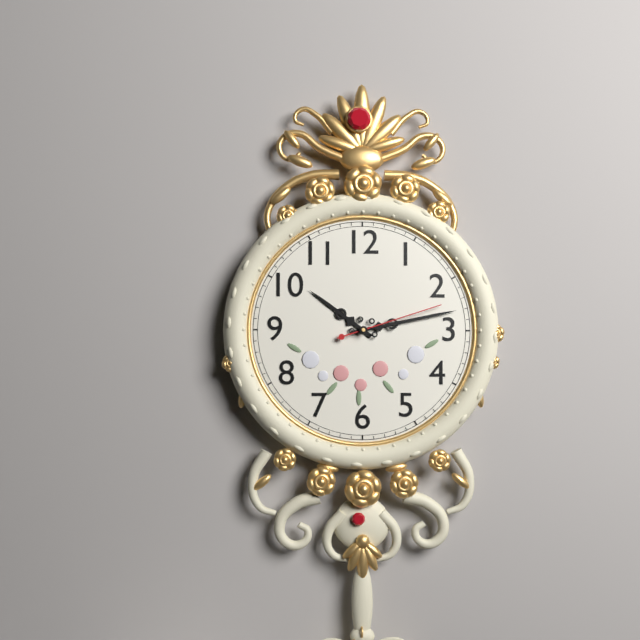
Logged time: {"hour": 10, "minute": 13, "second": 12}
